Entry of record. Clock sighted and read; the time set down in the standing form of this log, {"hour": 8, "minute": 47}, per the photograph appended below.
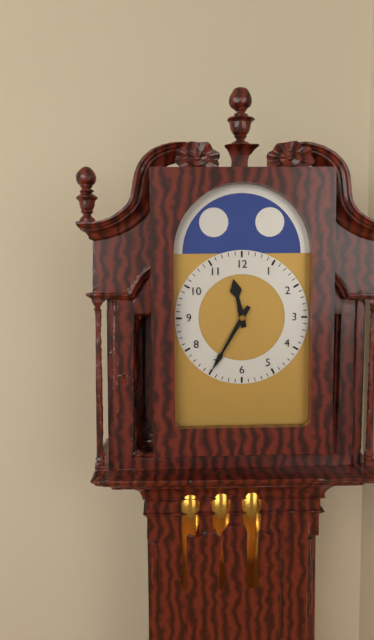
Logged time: {"hour": 11, "minute": 35}
